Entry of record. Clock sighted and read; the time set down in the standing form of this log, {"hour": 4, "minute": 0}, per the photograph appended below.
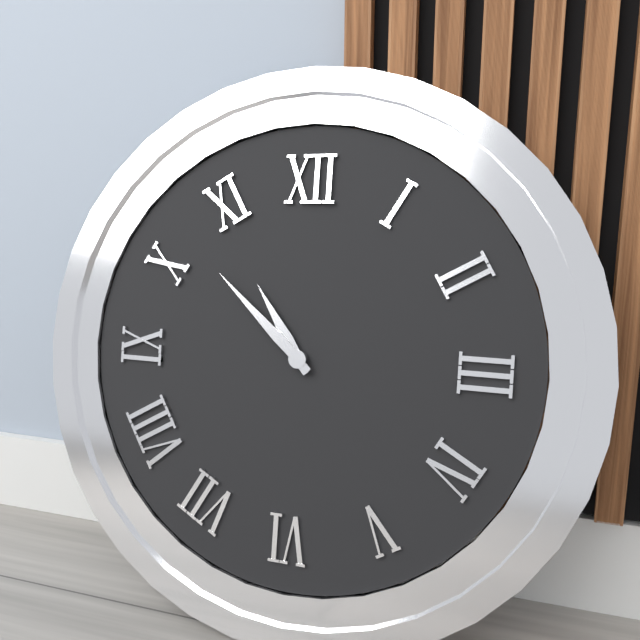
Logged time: {"hour": 10, "minute": 52}
